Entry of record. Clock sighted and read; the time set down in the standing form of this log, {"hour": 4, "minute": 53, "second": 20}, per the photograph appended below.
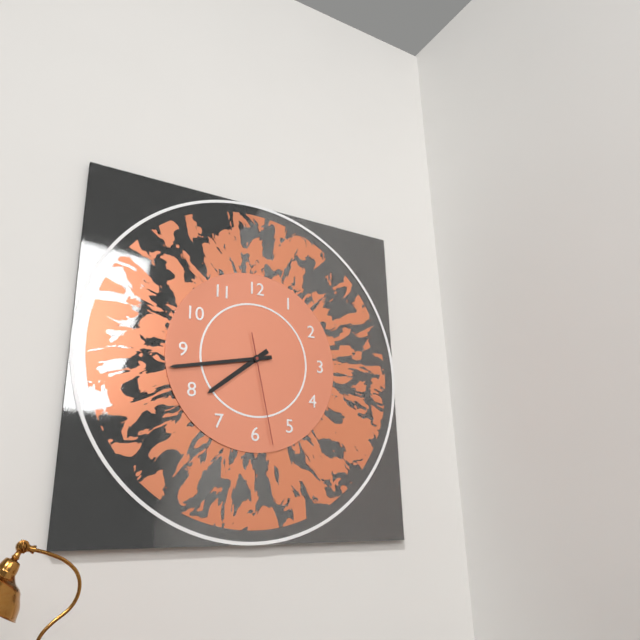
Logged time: {"hour": 7, "minute": 43, "second": 28}
